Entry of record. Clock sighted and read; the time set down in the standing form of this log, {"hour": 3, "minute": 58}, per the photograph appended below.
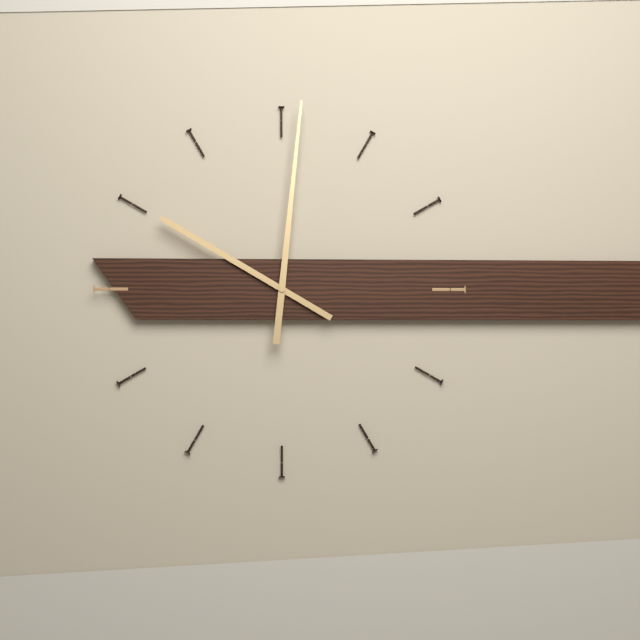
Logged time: {"hour": 10, "minute": 1}
